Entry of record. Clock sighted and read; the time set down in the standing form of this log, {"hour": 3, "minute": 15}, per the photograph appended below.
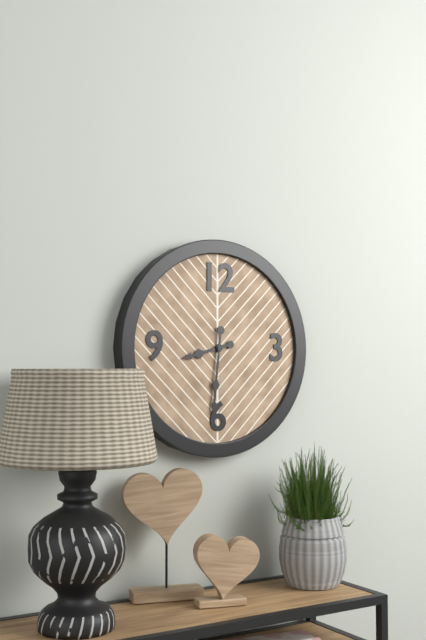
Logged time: {"hour": 8, "minute": 31}
